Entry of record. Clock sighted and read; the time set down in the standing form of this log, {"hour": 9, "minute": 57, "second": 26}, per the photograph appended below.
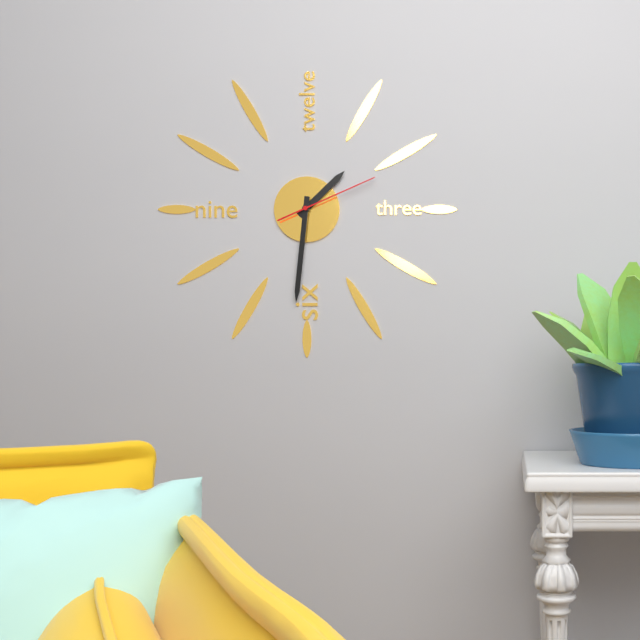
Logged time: {"hour": 1, "minute": 31, "second": 11}
